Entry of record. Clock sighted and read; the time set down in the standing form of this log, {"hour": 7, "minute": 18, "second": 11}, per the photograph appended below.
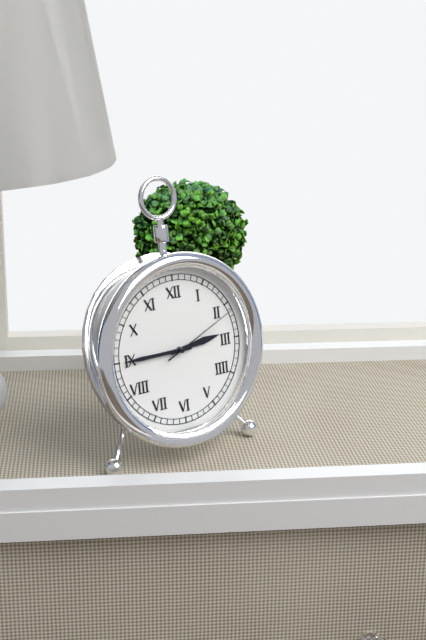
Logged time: {"hour": 2, "minute": 45, "second": 11}
